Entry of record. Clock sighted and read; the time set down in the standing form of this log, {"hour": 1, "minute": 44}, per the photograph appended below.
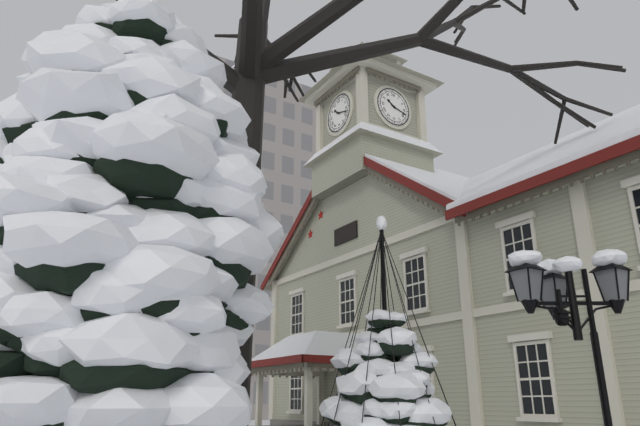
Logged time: {"hour": 10, "minute": 18}
